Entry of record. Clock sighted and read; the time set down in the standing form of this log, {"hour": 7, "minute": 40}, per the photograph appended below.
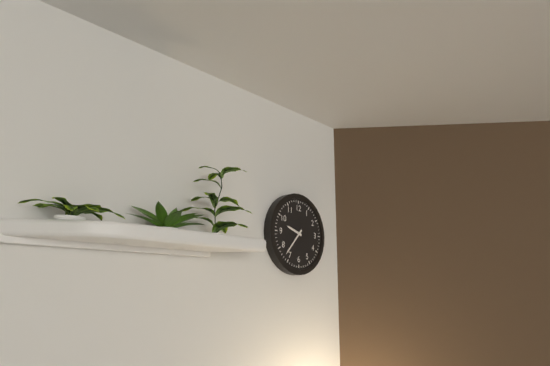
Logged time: {"hour": 9, "minute": 37}
